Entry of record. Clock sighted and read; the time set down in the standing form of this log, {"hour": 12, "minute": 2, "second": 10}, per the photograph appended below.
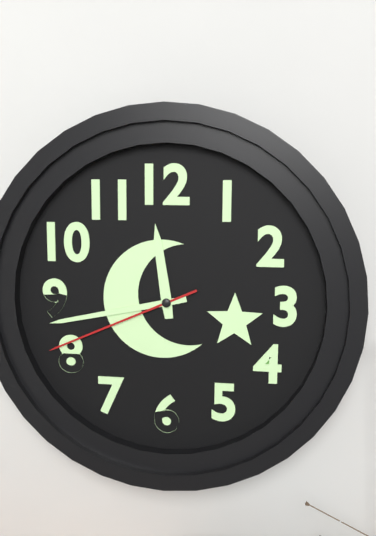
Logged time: {"hour": 11, "minute": 43, "second": 41}
